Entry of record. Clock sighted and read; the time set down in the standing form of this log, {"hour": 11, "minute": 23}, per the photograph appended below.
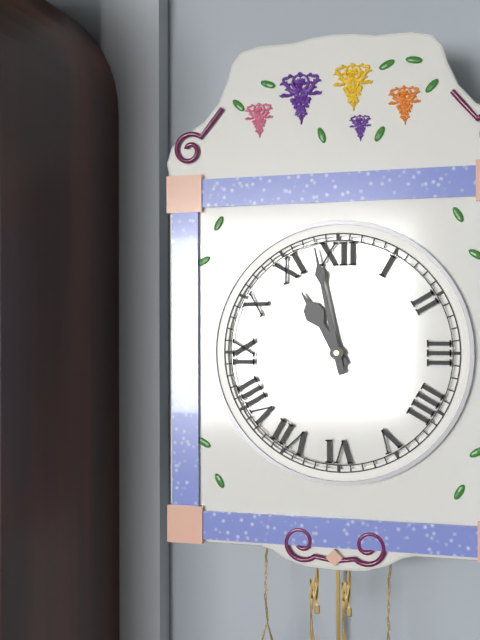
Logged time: {"hour": 10, "minute": 58}
